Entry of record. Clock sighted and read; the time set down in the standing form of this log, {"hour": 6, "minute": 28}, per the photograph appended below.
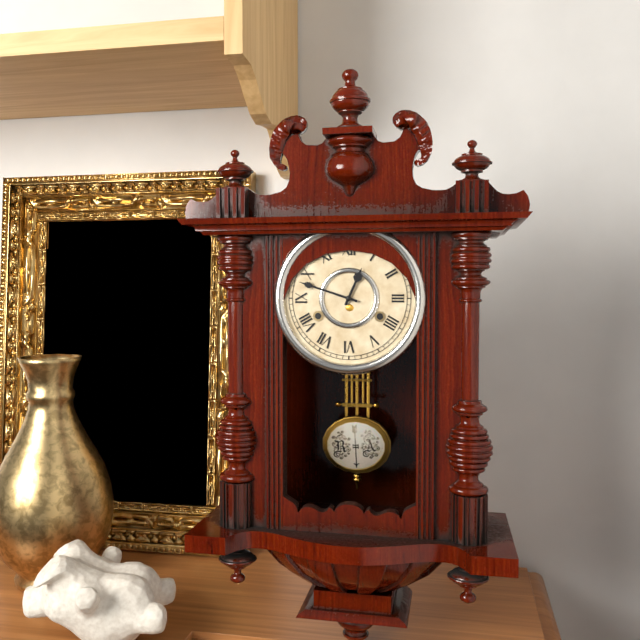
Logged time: {"hour": 12, "minute": 48}
